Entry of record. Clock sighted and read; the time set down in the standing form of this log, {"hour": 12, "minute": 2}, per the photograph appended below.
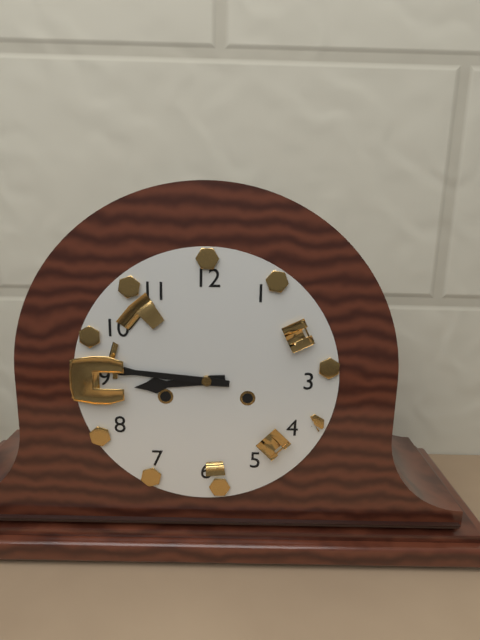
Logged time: {"hour": 8, "minute": 46}
